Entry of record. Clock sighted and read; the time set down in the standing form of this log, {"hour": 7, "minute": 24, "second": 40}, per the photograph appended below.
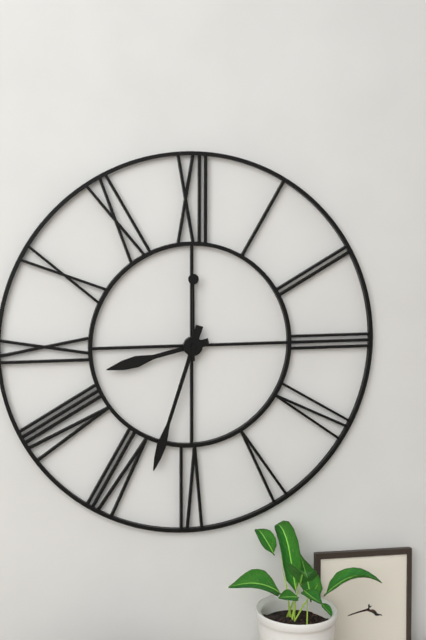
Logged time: {"hour": 8, "minute": 33, "second": 0}
